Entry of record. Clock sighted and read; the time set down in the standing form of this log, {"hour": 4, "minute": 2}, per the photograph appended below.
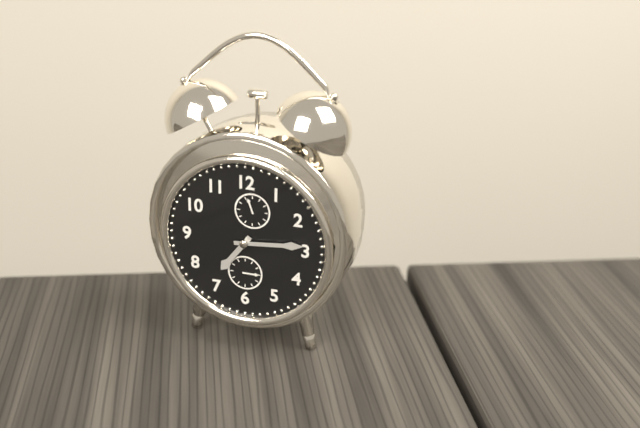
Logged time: {"hour": 7, "minute": 14}
